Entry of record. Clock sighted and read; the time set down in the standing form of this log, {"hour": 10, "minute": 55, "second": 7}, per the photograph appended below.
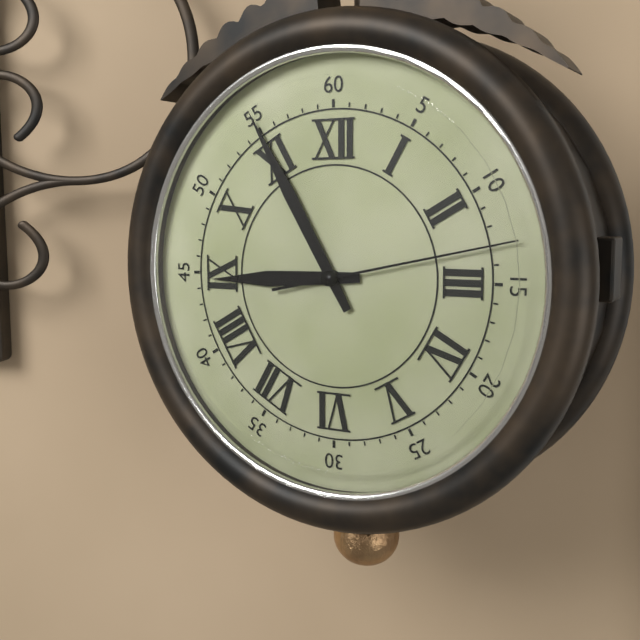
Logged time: {"hour": 8, "minute": 55, "second": 13}
